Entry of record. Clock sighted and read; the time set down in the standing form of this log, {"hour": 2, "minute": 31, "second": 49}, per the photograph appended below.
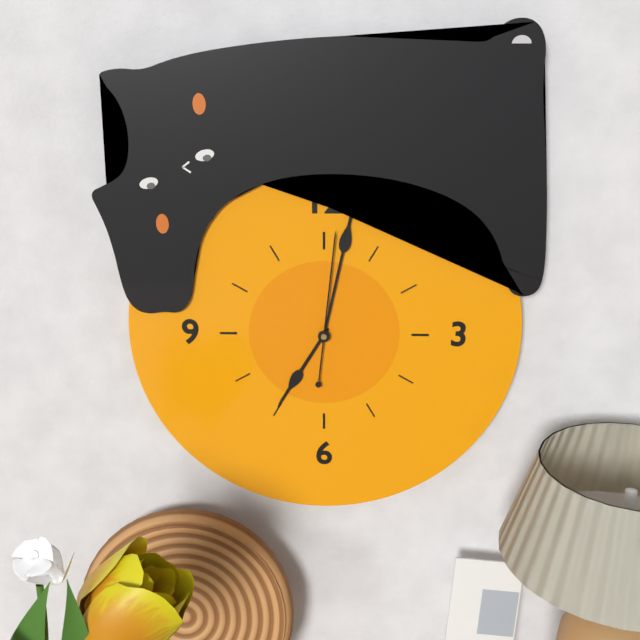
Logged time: {"hour": 7, "minute": 2, "second": 1}
